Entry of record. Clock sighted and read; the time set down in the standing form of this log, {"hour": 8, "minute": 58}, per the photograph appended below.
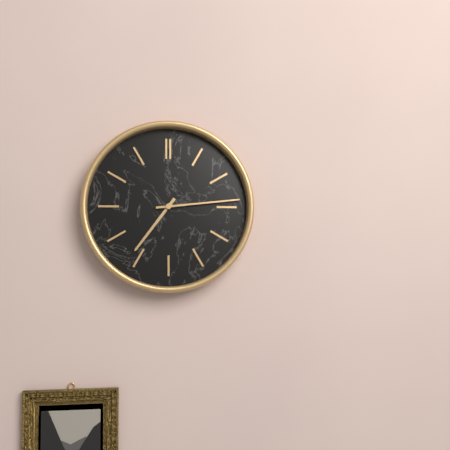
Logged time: {"hour": 7, "minute": 14}
